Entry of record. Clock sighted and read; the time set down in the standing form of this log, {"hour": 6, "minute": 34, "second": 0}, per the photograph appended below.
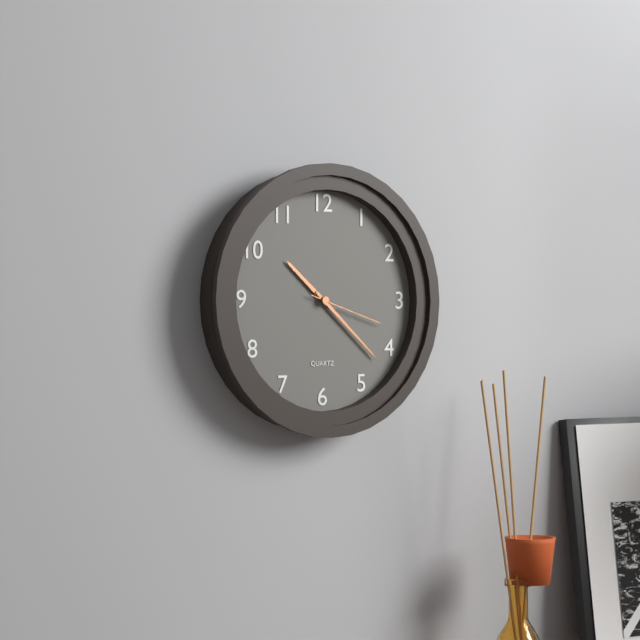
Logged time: {"hour": 10, "minute": 22, "second": 18}
